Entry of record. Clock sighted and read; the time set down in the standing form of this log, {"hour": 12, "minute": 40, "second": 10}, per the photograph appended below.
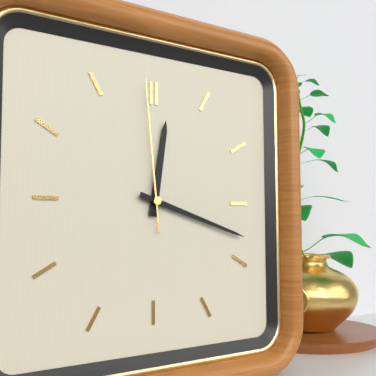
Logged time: {"hour": 12, "minute": 18, "second": 59}
